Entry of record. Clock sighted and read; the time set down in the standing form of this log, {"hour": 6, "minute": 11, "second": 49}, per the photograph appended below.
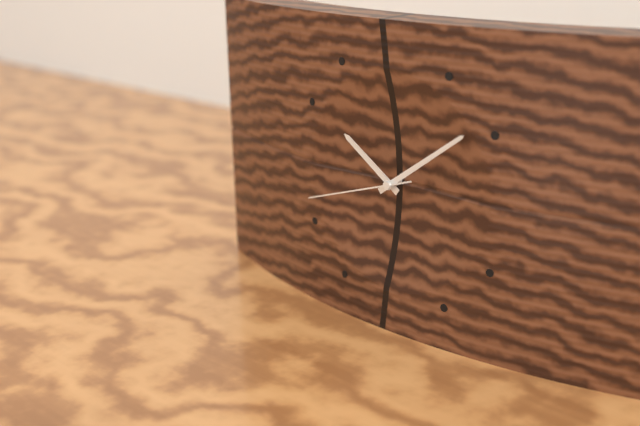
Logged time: {"hour": 10, "minute": 9, "second": 42}
